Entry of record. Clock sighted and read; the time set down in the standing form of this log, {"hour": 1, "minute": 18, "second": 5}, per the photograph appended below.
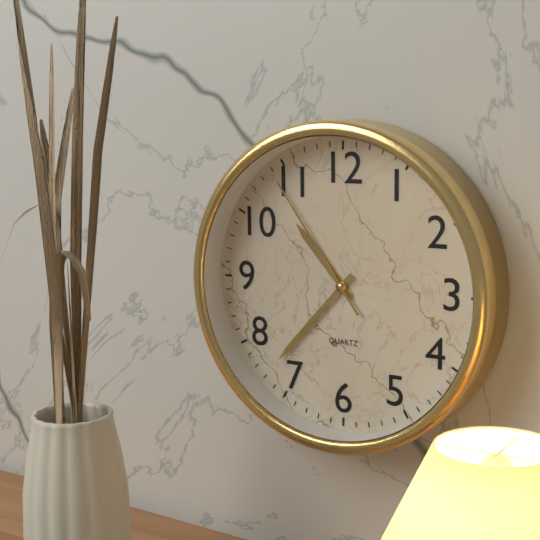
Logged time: {"hour": 10, "minute": 37, "second": 54}
